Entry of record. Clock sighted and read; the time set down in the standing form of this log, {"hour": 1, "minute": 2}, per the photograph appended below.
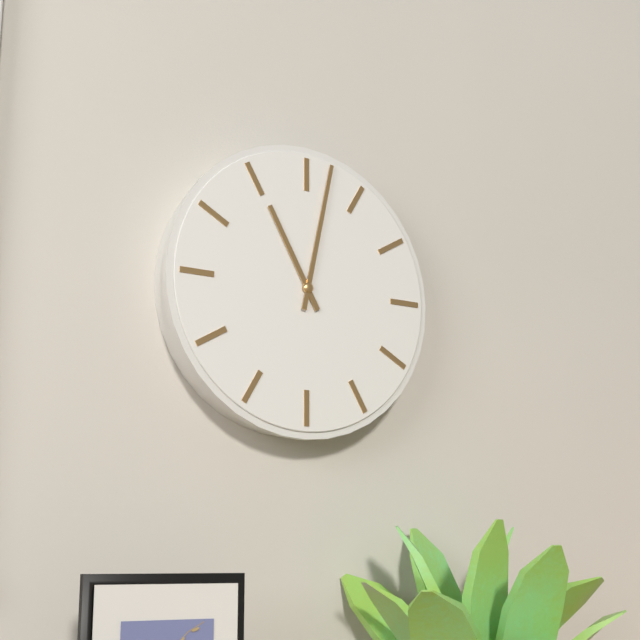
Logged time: {"hour": 11, "minute": 2}
